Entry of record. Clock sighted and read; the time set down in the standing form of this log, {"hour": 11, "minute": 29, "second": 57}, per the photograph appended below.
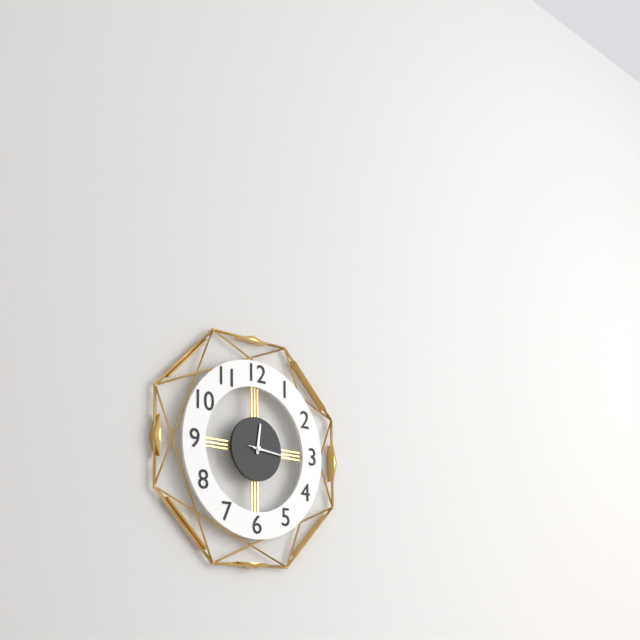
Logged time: {"hour": 12, "minute": 16, "second": 16}
